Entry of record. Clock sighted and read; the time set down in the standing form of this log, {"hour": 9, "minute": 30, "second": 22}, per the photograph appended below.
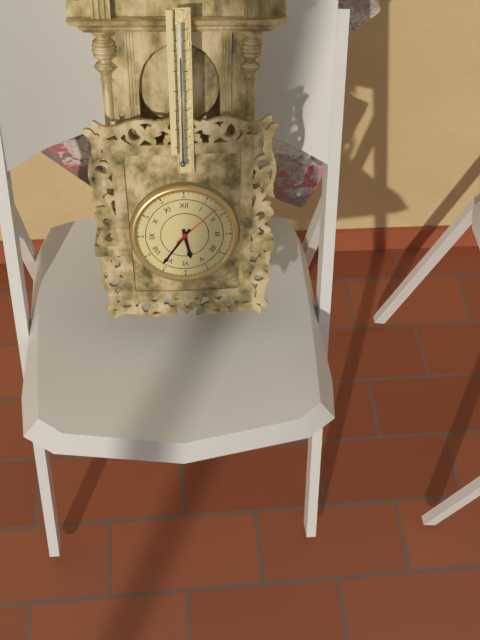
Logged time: {"hour": 5, "minute": 36, "second": 8}
